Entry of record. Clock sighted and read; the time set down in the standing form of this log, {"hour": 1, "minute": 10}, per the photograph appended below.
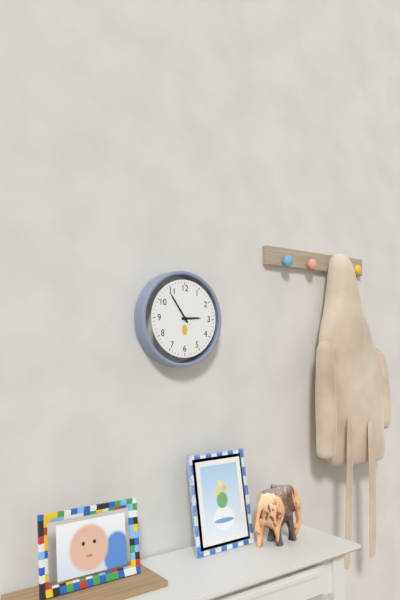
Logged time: {"hour": 2, "minute": 54}
